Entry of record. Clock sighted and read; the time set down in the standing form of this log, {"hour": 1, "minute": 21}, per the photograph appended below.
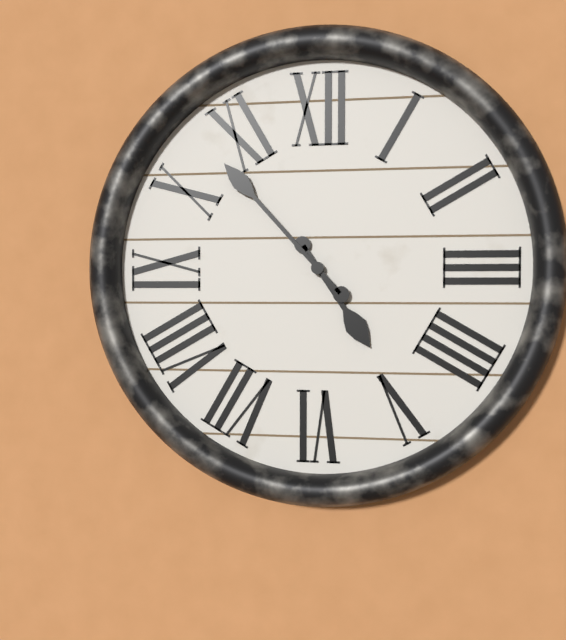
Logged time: {"hour": 4, "minute": 53}
